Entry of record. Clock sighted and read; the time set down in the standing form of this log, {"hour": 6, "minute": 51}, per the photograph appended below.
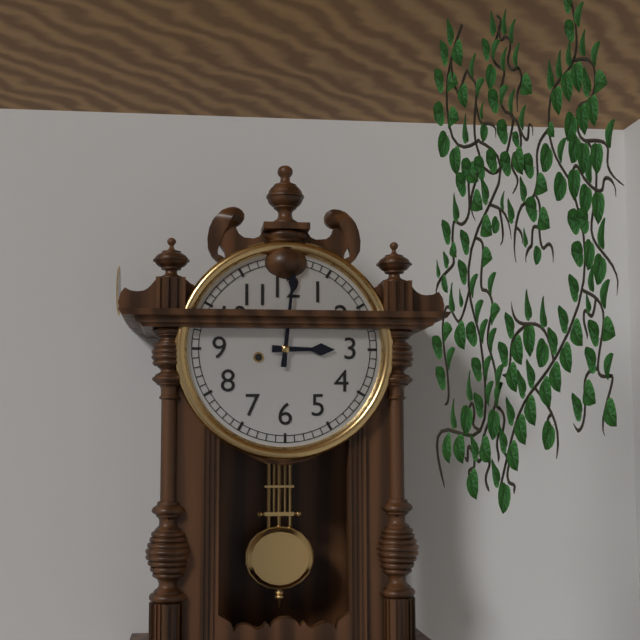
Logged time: {"hour": 3, "minute": 1}
